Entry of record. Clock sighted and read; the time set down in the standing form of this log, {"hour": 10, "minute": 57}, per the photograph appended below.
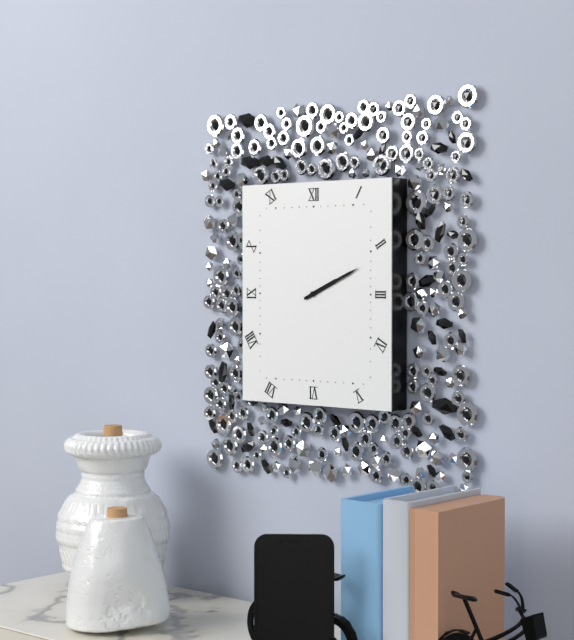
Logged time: {"hour": 2, "minute": 11}
